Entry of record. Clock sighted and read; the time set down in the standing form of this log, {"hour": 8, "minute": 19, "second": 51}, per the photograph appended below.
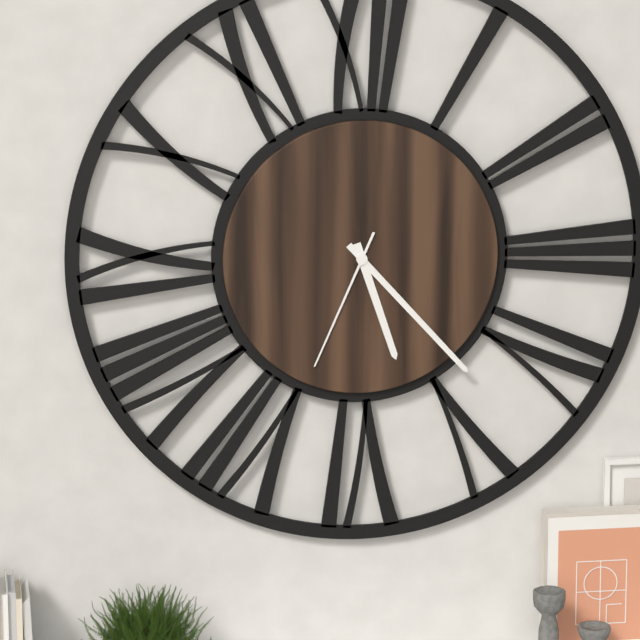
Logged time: {"hour": 5, "minute": 23, "second": 34}
